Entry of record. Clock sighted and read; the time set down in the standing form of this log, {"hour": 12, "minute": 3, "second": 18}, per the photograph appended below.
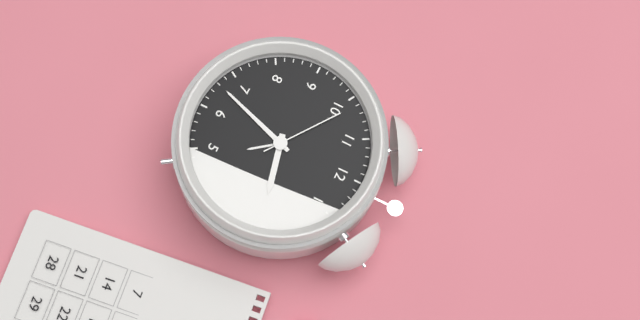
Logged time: {"hour": 2, "minute": 33, "second": 51}
